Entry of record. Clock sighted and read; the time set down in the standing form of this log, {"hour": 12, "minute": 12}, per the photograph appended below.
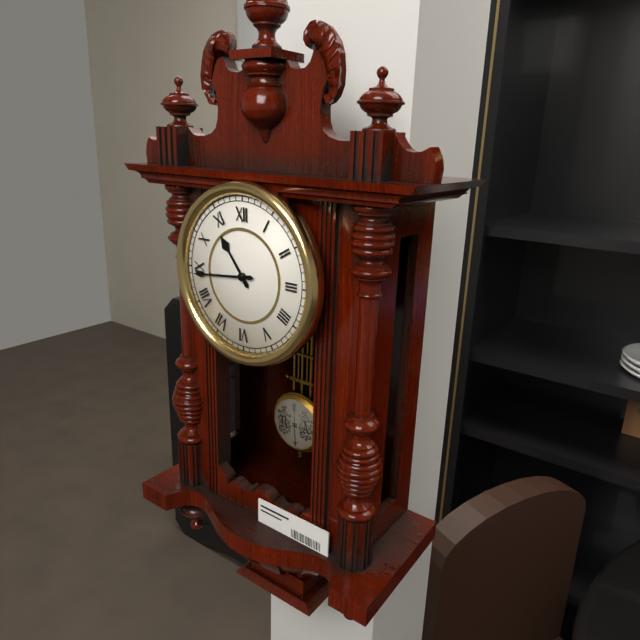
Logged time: {"hour": 10, "minute": 44}
